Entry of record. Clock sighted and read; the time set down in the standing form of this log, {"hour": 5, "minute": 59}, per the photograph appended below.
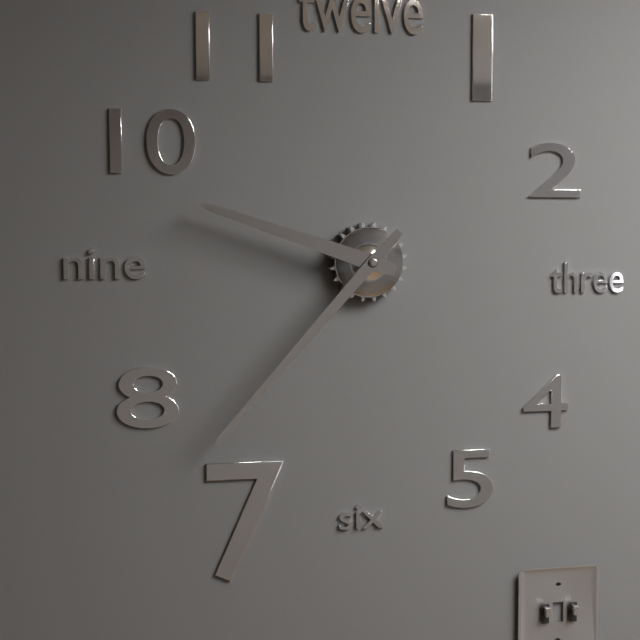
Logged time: {"hour": 9, "minute": 37}
